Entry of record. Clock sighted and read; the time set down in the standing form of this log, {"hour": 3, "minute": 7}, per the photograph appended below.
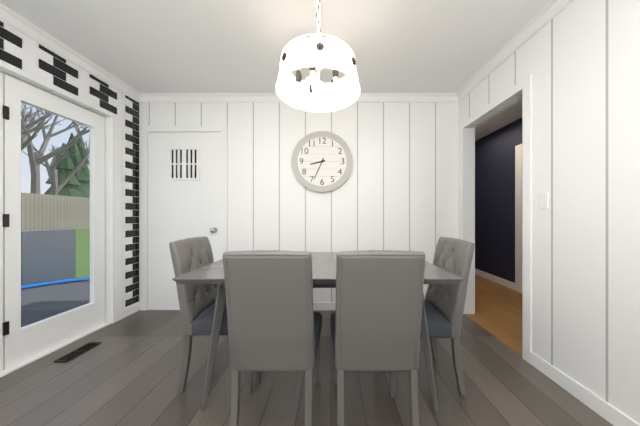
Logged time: {"hour": 8, "minute": 34}
